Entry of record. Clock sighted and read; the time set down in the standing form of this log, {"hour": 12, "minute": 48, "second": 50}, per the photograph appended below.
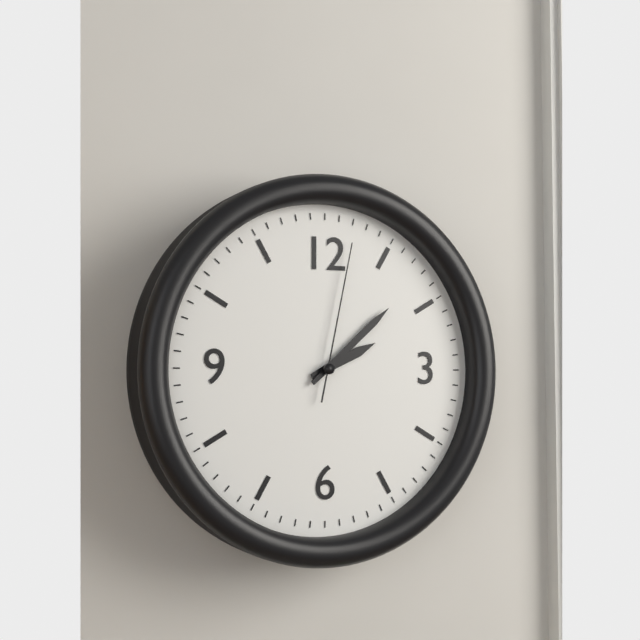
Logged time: {"hour": 2, "minute": 8, "second": 2}
